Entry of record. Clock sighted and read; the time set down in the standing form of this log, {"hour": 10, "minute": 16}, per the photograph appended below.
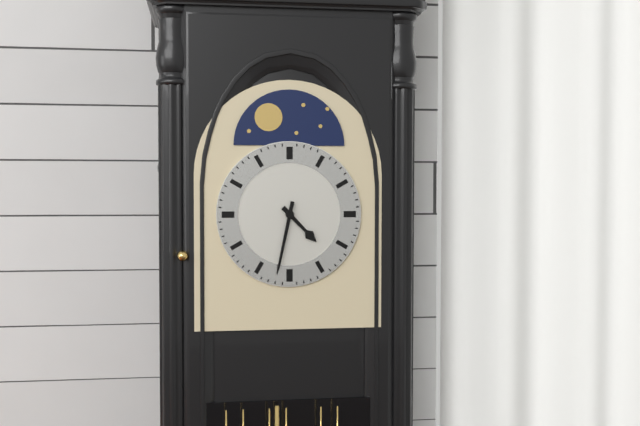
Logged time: {"hour": 4, "minute": 32}
